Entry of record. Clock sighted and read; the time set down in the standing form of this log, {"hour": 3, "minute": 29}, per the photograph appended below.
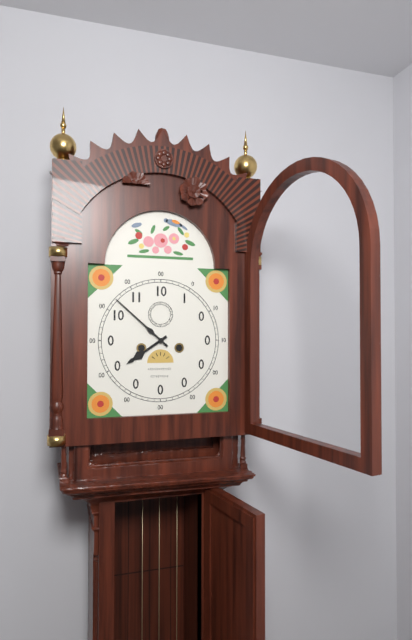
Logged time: {"hour": 7, "minute": 52}
